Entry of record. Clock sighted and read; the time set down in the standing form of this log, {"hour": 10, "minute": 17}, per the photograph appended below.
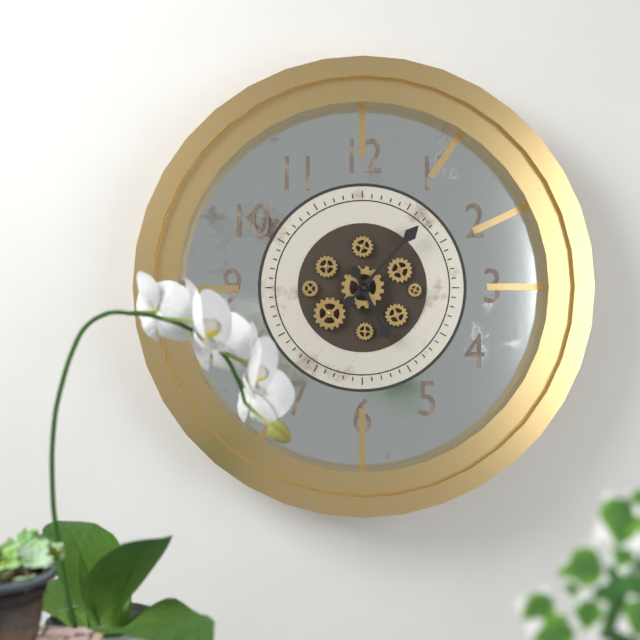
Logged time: {"hour": 5, "minute": 7}
